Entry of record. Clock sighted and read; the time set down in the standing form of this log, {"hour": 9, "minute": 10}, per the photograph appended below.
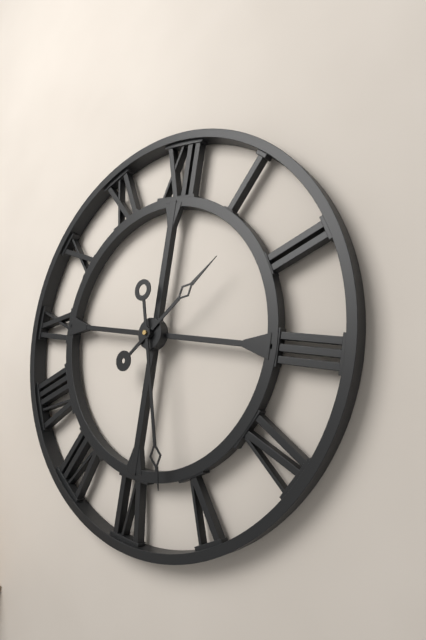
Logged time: {"hour": 1, "minute": 27}
